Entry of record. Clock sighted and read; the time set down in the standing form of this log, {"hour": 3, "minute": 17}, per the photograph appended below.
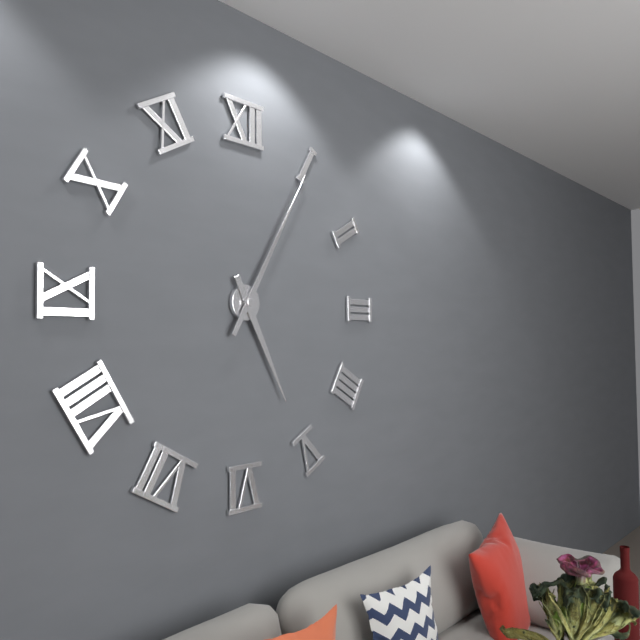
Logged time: {"hour": 5, "minute": 5}
